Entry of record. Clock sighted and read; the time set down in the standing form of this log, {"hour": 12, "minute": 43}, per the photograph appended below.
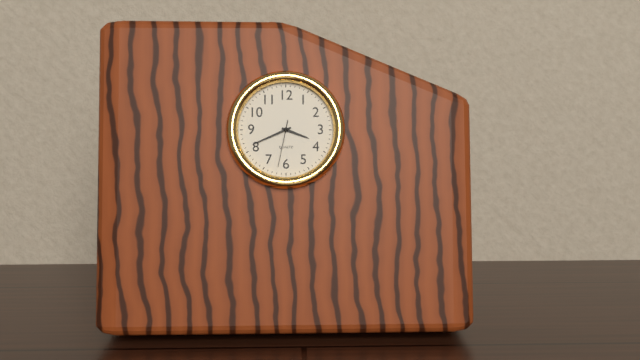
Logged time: {"hour": 3, "minute": 41}
